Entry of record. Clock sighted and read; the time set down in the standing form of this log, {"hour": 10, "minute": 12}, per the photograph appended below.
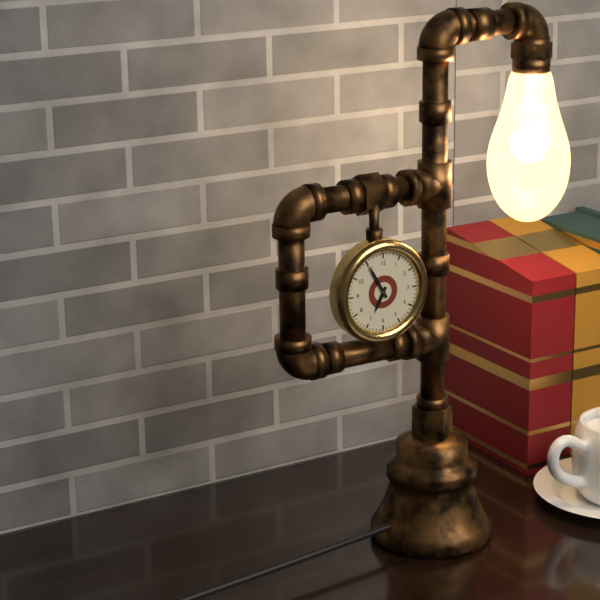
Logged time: {"hour": 6, "minute": 55}
